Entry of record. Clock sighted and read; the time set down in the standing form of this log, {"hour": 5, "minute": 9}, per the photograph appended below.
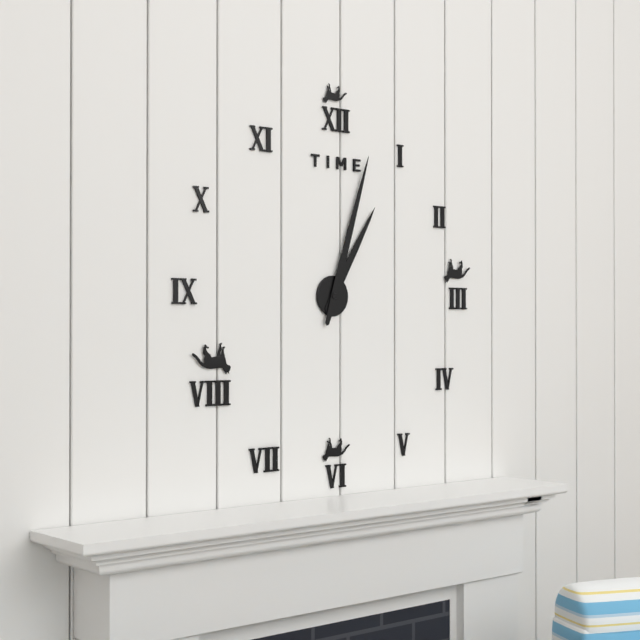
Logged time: {"hour": 1, "minute": 3}
